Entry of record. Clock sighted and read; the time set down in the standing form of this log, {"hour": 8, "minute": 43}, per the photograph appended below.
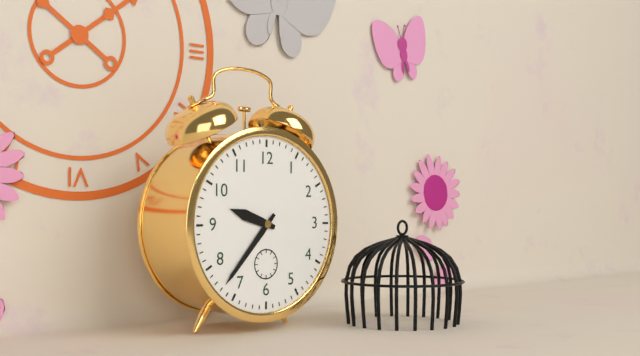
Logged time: {"hour": 9, "minute": 37}
